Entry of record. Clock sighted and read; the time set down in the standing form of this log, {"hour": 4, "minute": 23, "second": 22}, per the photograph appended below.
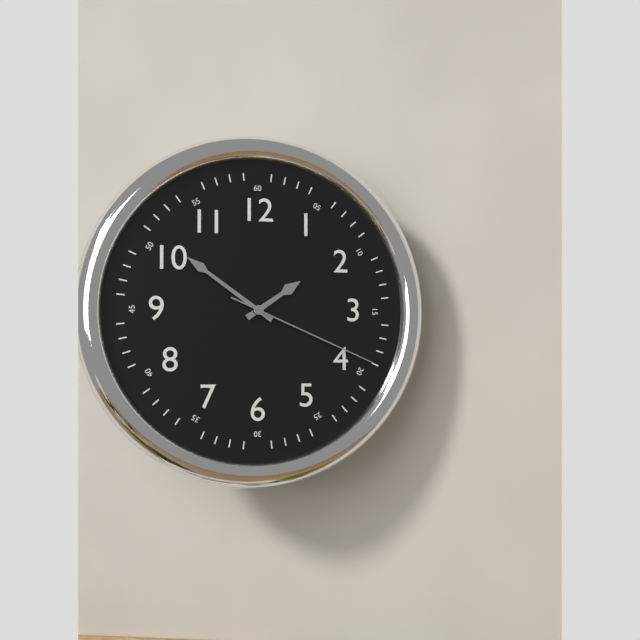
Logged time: {"hour": 1, "minute": 51, "second": 19}
